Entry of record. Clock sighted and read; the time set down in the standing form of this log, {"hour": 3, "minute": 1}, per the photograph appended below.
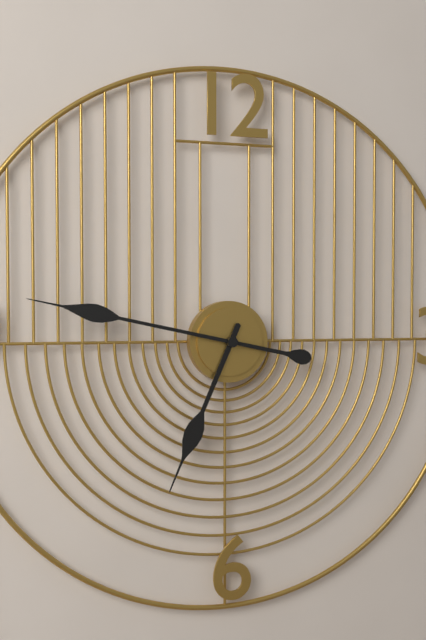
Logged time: {"hour": 6, "minute": 47}
